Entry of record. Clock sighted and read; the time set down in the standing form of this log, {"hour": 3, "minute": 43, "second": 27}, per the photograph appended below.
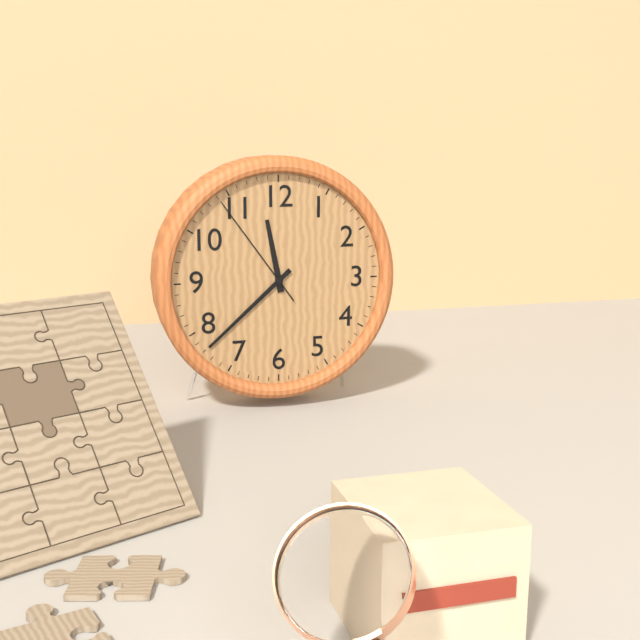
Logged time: {"hour": 11, "minute": 38, "second": 54}
